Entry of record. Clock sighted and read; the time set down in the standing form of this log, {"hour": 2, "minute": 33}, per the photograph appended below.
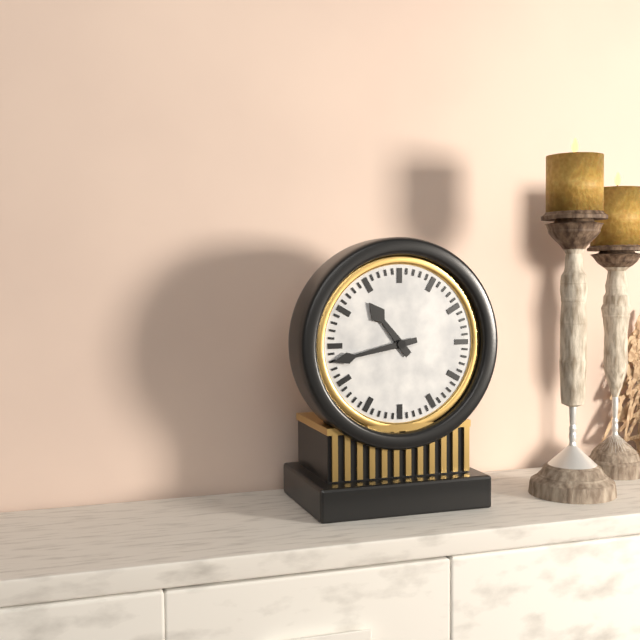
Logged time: {"hour": 10, "minute": 43}
